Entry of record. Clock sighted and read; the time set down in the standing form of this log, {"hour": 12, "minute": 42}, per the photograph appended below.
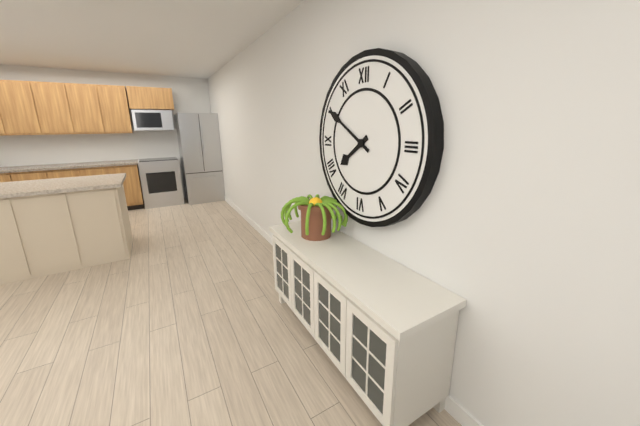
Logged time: {"hour": 7, "minute": 50}
